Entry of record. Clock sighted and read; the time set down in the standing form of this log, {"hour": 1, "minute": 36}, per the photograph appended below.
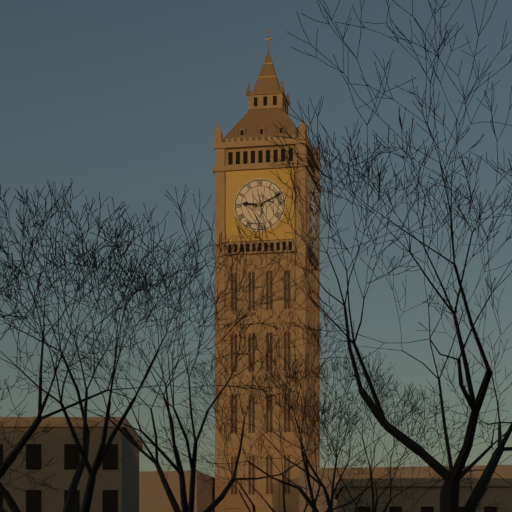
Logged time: {"hour": 9, "minute": 11}
